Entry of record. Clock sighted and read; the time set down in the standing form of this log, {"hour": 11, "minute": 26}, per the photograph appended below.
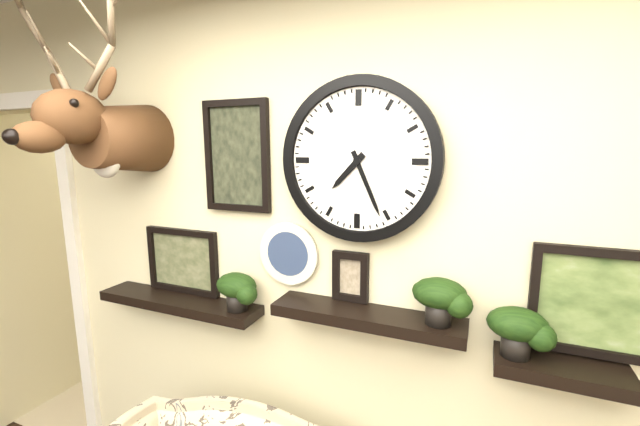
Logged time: {"hour": 7, "minute": 26}
